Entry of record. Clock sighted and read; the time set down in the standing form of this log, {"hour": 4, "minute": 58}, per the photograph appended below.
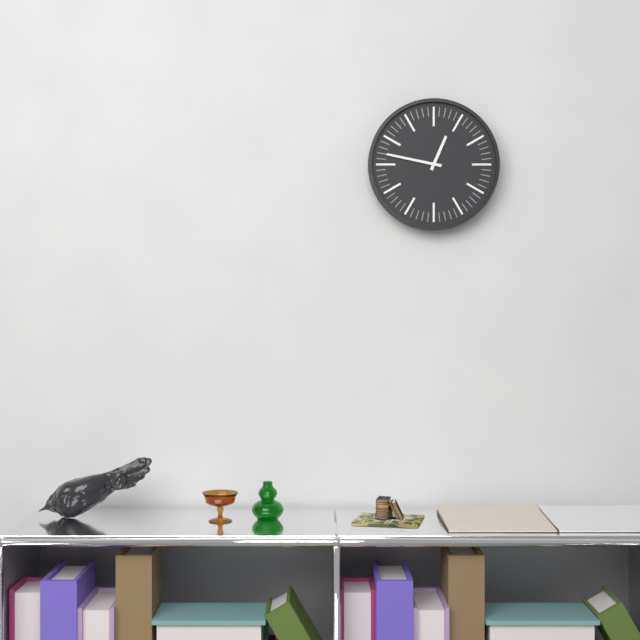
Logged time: {"hour": 12, "minute": 47}
